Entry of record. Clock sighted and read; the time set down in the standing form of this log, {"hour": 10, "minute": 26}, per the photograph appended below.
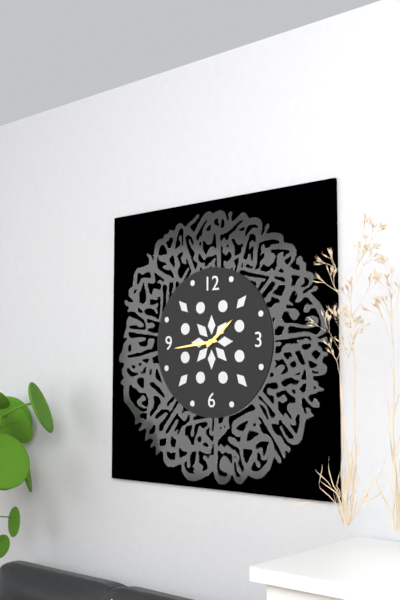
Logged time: {"hour": 1, "minute": 44}
